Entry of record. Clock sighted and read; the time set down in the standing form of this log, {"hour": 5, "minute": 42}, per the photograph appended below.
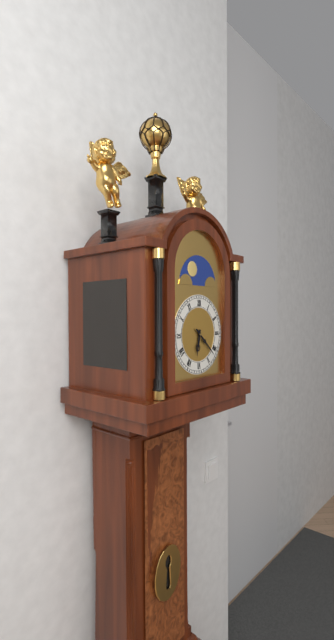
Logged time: {"hour": 6, "minute": 22}
